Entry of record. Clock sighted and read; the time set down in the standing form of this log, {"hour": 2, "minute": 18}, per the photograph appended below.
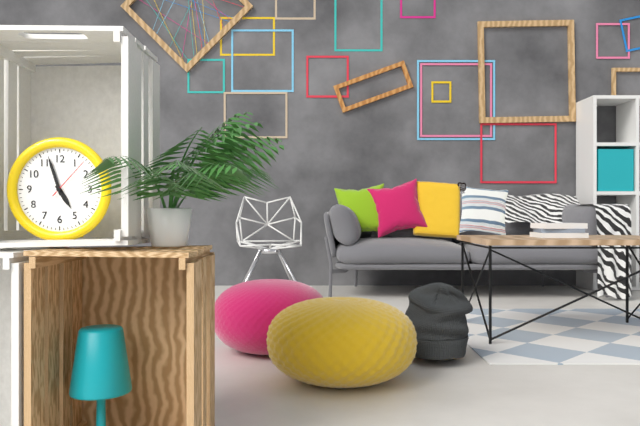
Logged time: {"hour": 4, "minute": 57}
